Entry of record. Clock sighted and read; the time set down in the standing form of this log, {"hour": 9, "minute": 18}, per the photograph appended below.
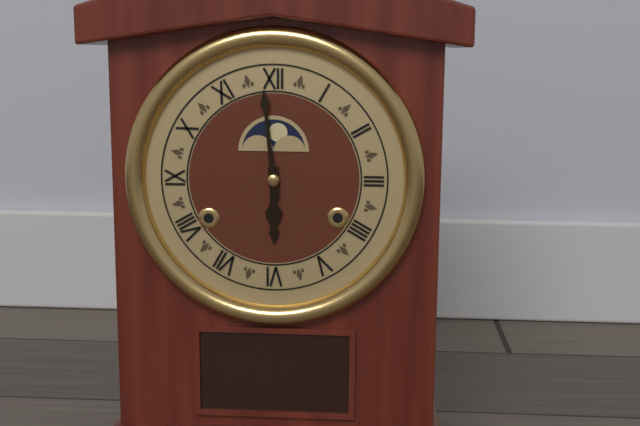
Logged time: {"hour": 5, "minute": 59}
